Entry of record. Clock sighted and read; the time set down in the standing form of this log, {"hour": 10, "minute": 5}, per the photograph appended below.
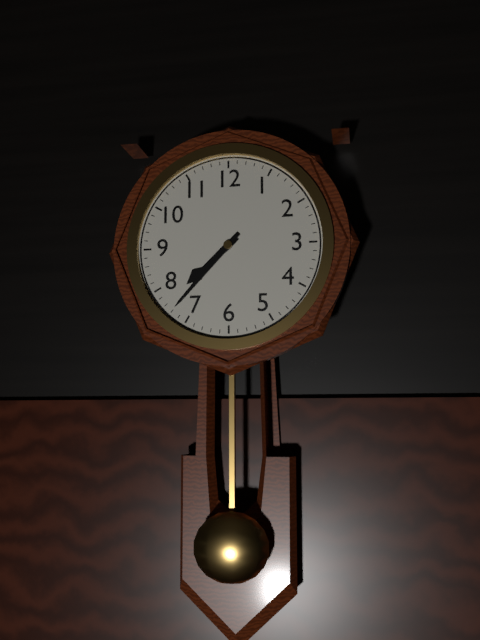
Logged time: {"hour": 7, "minute": 37}
